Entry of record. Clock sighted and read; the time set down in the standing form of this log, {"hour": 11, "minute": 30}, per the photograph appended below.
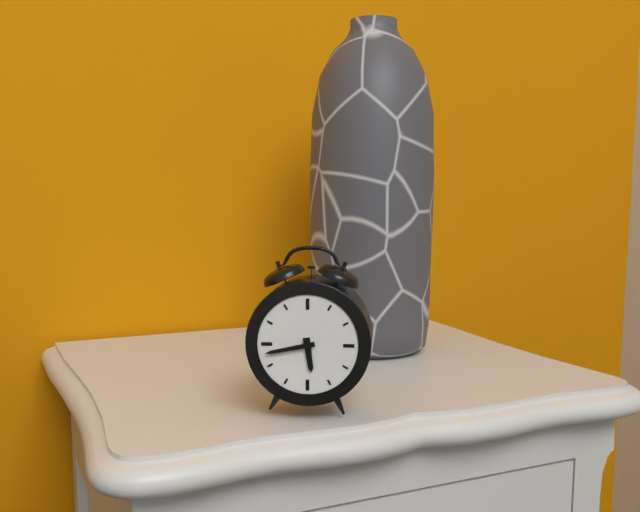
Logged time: {"hour": 5, "minute": 43}
